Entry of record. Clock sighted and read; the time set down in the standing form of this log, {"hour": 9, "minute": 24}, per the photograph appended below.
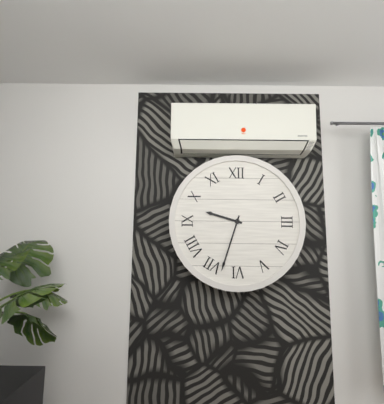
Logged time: {"hour": 9, "minute": 33}
